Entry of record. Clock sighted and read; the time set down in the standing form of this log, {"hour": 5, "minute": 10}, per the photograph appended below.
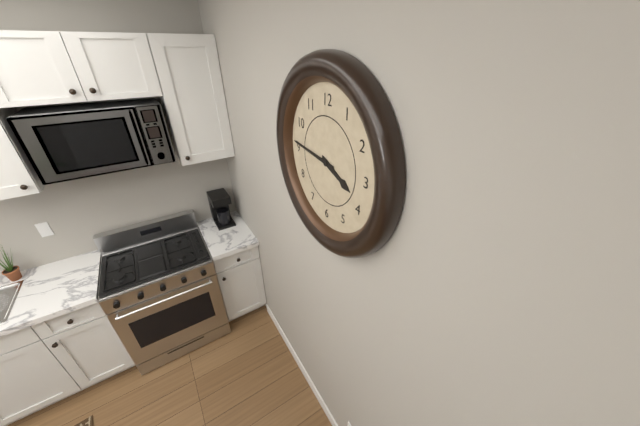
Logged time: {"hour": 3, "minute": 46}
